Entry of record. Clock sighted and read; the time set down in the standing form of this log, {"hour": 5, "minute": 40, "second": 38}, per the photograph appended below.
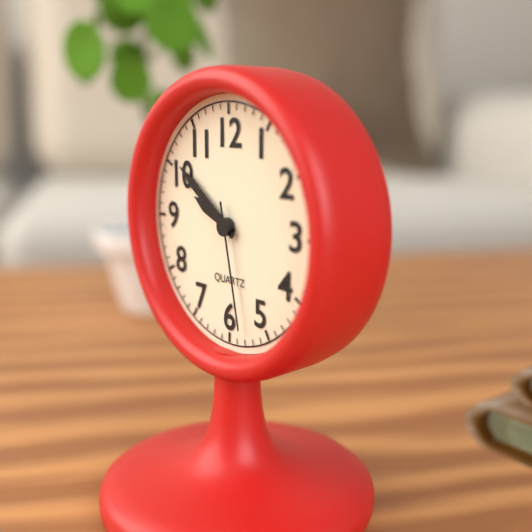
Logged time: {"hour": 9, "minute": 51, "second": 28}
